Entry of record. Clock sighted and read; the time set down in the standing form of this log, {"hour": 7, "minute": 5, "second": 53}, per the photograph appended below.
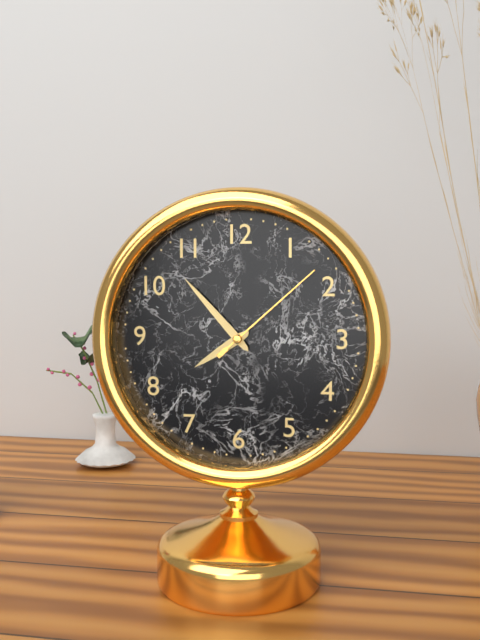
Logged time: {"hour": 7, "minute": 53, "second": 8}
